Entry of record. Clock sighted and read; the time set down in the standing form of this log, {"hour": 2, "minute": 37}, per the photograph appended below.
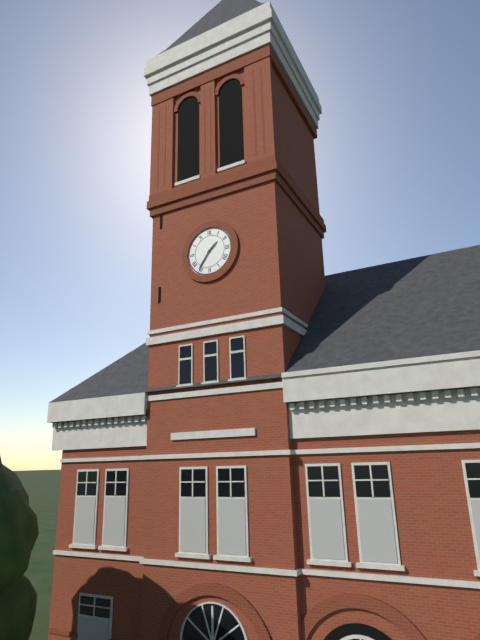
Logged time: {"hour": 1, "minute": 36}
